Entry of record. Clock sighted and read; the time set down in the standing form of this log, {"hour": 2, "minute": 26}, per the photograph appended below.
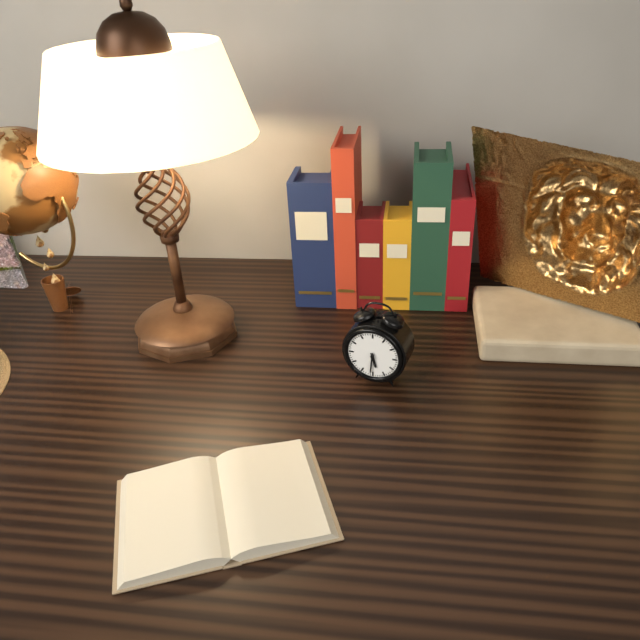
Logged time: {"hour": 5, "minute": 31}
